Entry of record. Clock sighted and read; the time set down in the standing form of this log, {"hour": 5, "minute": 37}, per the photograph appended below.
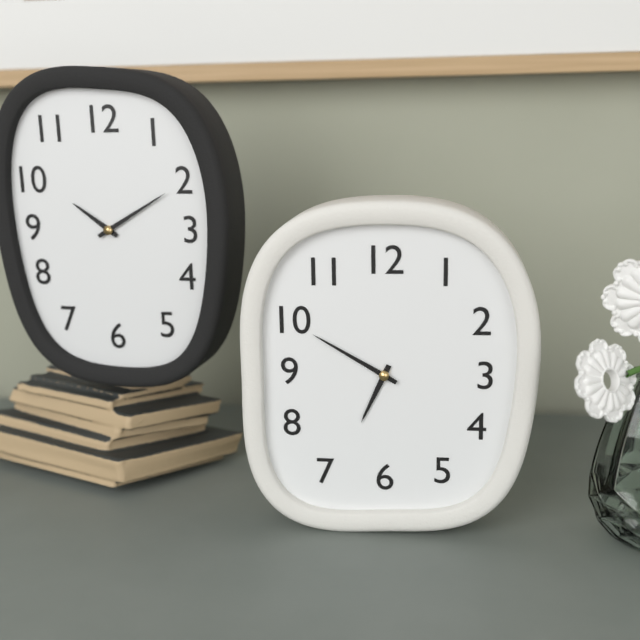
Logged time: {"hour": 6, "minute": 50}
